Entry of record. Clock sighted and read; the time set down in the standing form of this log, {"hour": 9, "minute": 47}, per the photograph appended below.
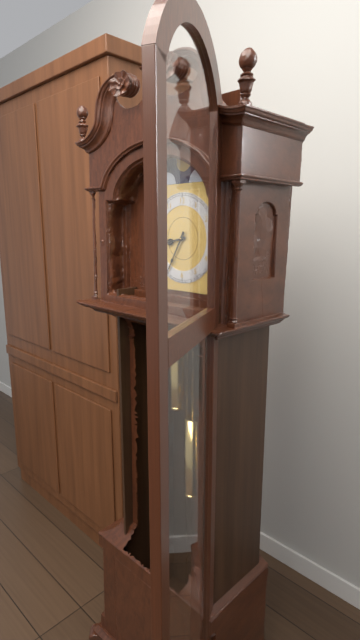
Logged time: {"hour": 8, "minute": 35}
